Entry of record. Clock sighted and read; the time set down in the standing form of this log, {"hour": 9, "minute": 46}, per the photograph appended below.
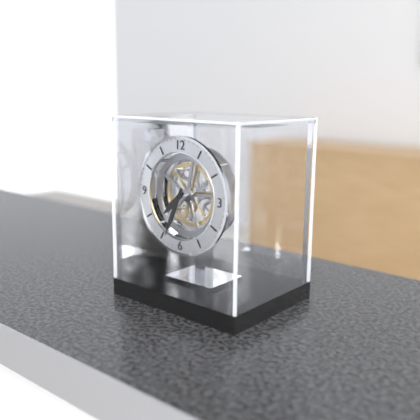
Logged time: {"hour": 7, "minute": 34}
